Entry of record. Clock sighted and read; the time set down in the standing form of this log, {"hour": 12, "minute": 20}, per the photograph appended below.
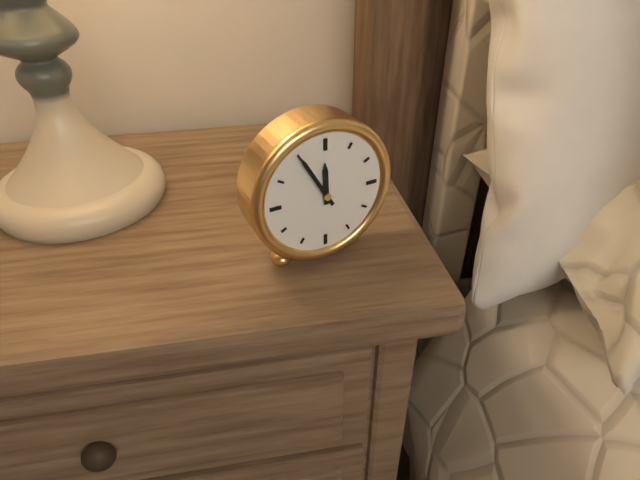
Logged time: {"hour": 11, "minute": 55}
